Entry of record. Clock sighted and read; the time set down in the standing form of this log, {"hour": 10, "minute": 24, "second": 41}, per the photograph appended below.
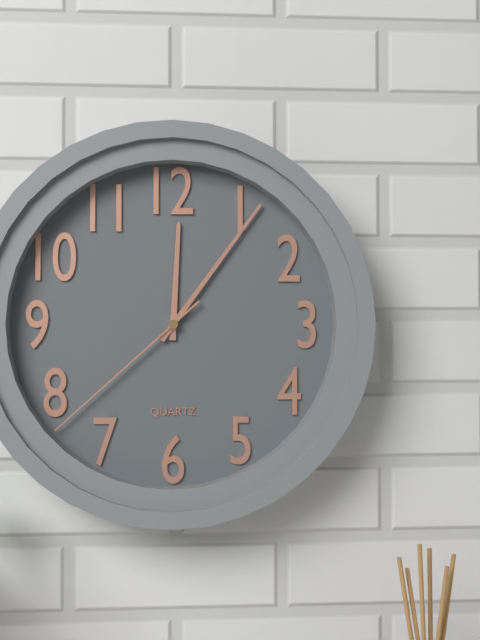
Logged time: {"hour": 12, "minute": 6, "second": 38}
